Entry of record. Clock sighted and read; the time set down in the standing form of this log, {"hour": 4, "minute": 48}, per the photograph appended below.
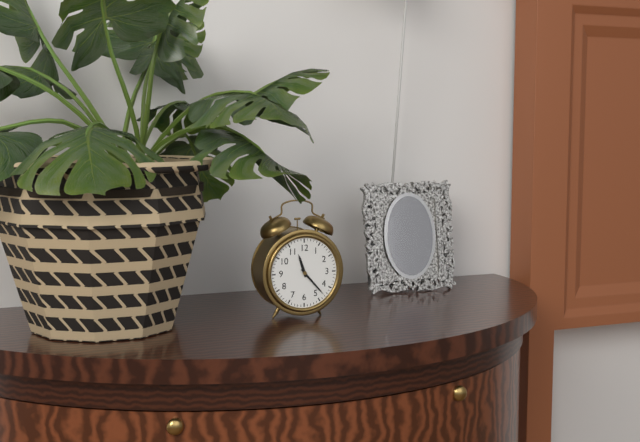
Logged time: {"hour": 11, "minute": 23}
